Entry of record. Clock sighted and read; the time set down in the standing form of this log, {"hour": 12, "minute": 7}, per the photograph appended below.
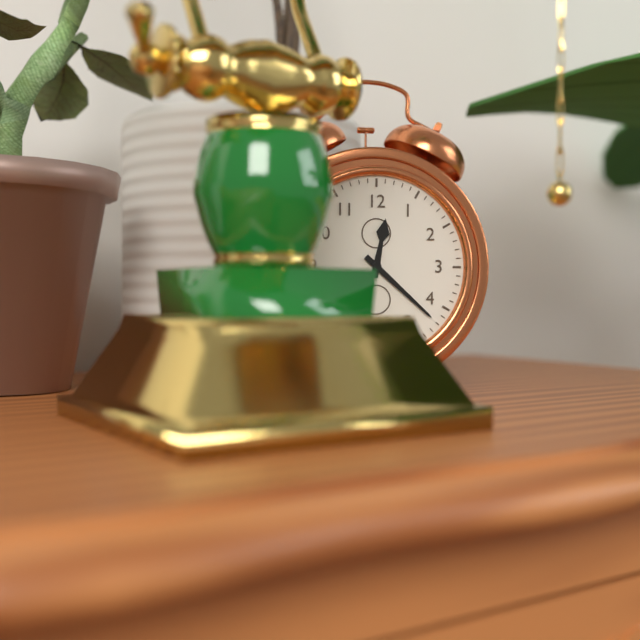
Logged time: {"hour": 12, "minute": 22}
